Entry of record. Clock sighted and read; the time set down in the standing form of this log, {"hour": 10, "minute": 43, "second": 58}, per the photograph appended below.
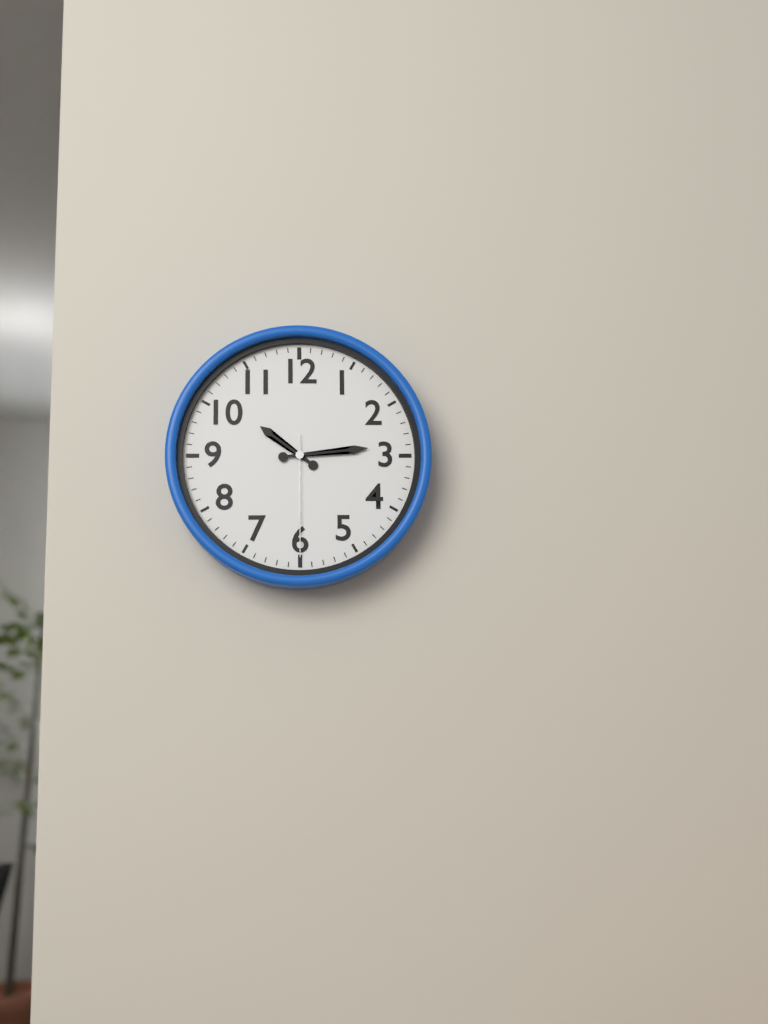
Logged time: {"hour": 10, "minute": 14, "second": 30}
